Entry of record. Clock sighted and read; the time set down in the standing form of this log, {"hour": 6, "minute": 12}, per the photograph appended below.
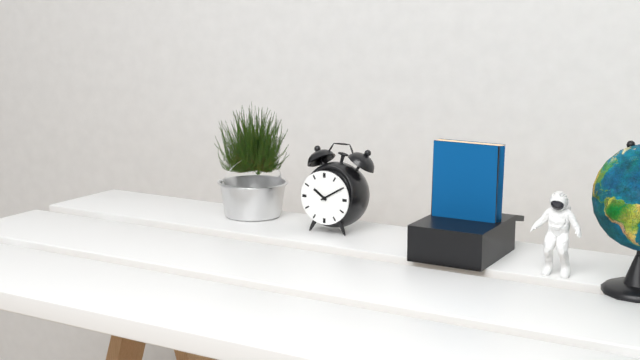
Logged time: {"hour": 10, "minute": 10}
